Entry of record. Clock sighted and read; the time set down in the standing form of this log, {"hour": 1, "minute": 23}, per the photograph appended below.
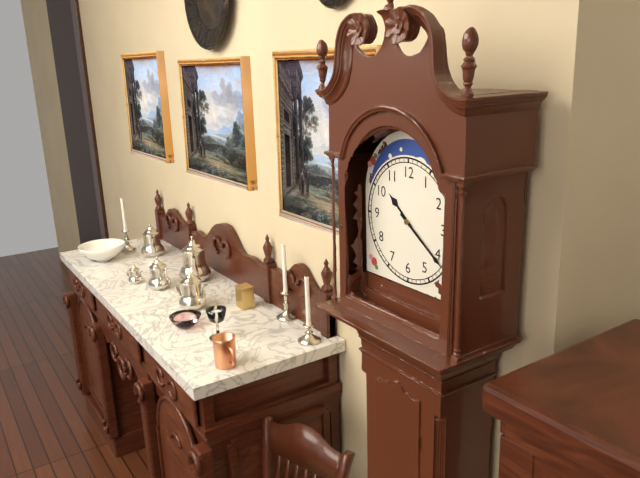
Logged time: {"hour": 10, "minute": 21}
